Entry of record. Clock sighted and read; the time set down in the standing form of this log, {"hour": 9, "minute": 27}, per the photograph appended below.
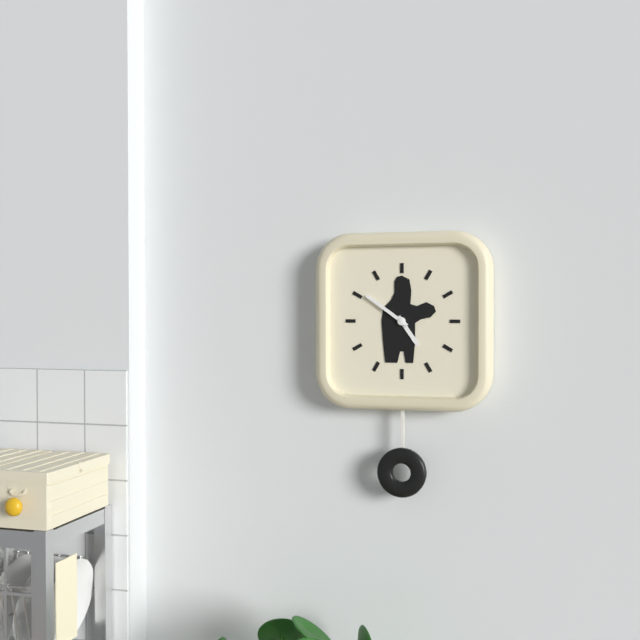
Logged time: {"hour": 4, "minute": 51}
